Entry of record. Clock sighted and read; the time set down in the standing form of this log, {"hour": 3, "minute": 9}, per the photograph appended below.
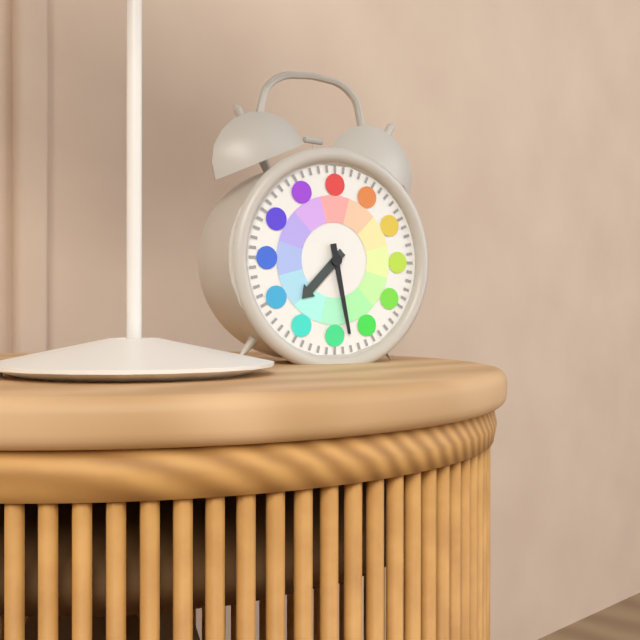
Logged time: {"hour": 7, "minute": 28}
